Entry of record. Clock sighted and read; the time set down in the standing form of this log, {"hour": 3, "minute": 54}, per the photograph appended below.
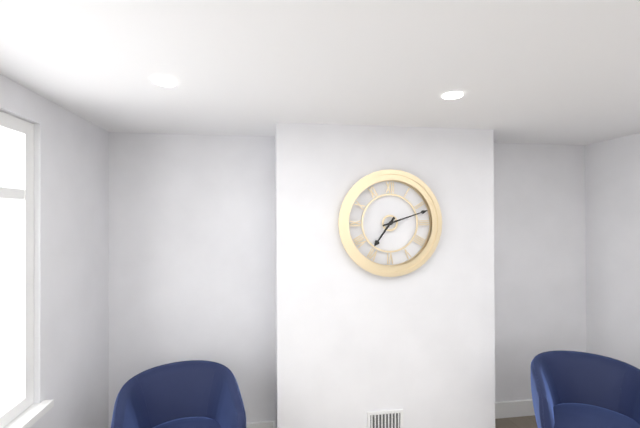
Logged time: {"hour": 7, "minute": 12}
